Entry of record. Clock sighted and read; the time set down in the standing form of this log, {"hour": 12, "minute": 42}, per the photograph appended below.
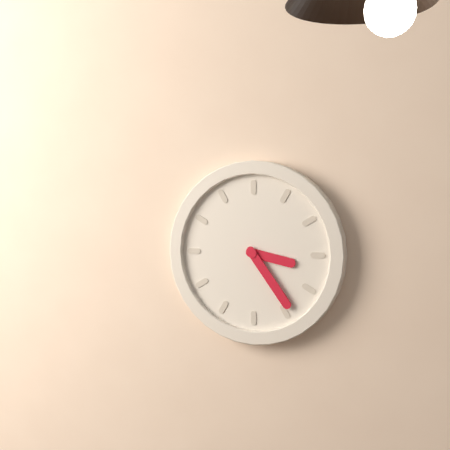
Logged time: {"hour": 3, "minute": 24}
